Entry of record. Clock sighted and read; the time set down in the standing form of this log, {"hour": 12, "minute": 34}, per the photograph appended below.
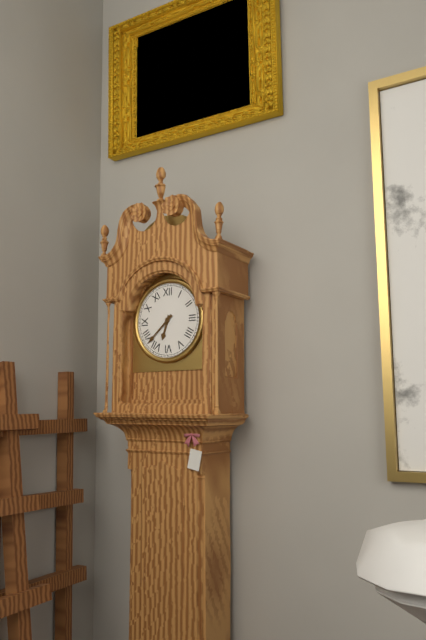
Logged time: {"hour": 6, "minute": 38}
